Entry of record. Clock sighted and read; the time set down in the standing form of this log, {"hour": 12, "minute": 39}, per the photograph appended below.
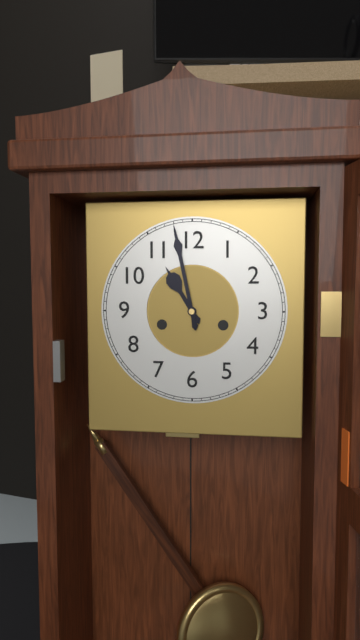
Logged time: {"hour": 10, "minute": 58}
